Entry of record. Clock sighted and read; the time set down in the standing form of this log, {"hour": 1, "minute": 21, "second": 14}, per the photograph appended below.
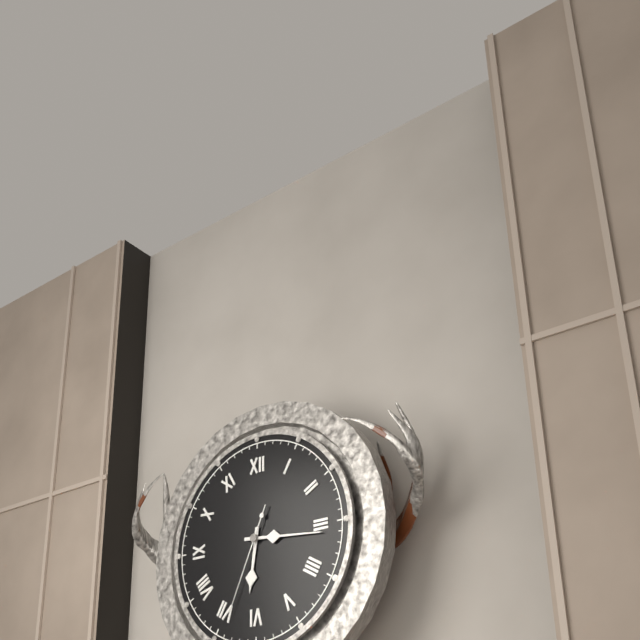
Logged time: {"hour": 6, "minute": 16, "second": 34}
